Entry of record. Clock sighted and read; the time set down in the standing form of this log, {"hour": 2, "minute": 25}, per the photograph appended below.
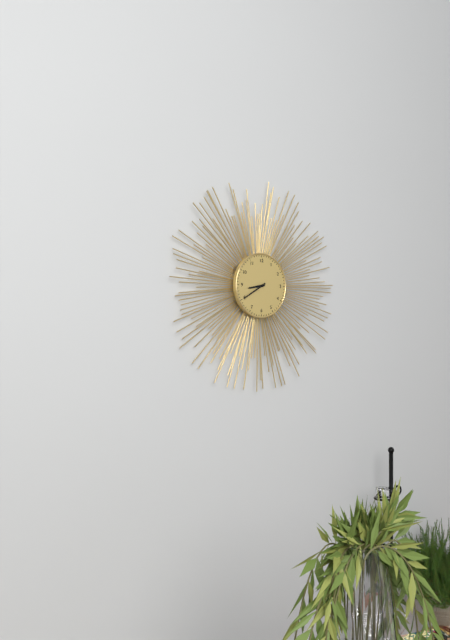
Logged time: {"hour": 8, "minute": 40}
